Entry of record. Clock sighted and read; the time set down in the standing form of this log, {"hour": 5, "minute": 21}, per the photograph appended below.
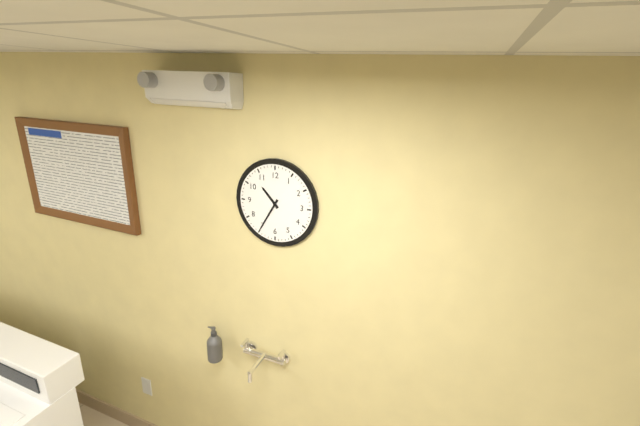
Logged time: {"hour": 10, "minute": 35}
